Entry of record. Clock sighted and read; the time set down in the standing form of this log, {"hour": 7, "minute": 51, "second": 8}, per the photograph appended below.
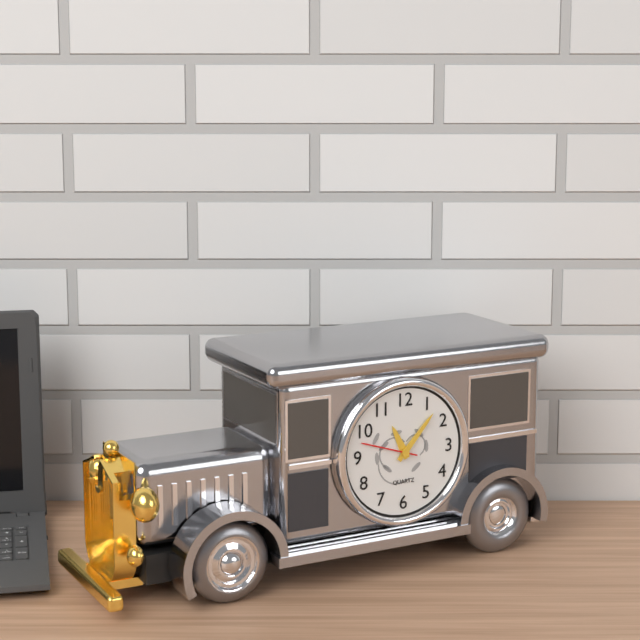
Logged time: {"hour": 11, "minute": 7, "second": 48}
